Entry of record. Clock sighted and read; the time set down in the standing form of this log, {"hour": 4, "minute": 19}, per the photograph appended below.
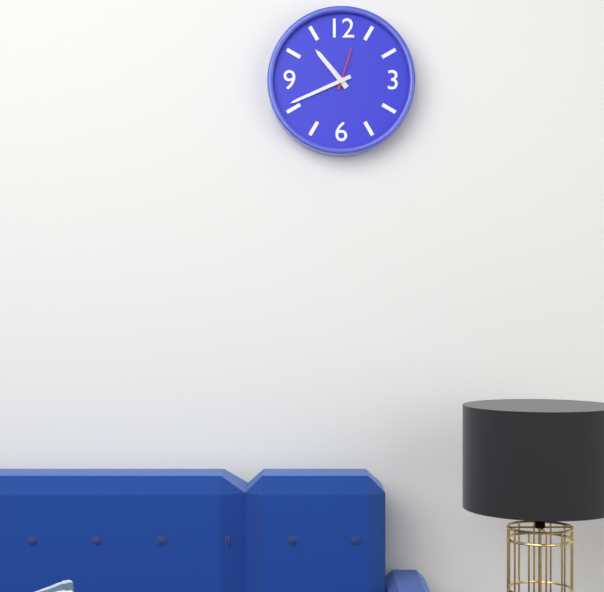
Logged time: {"hour": 10, "minute": 41}
